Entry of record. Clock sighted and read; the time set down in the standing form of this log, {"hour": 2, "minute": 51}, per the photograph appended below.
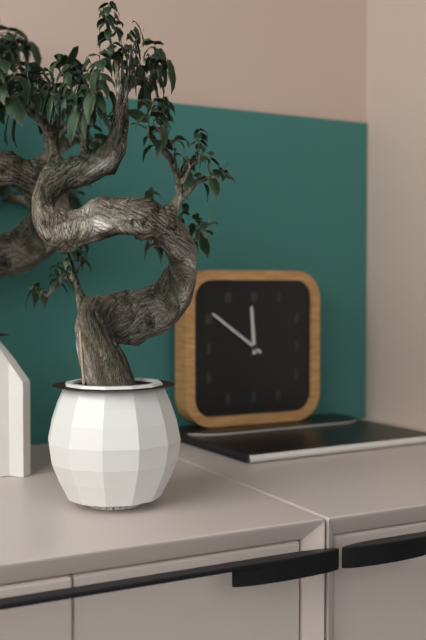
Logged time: {"hour": 11, "minute": 51}
